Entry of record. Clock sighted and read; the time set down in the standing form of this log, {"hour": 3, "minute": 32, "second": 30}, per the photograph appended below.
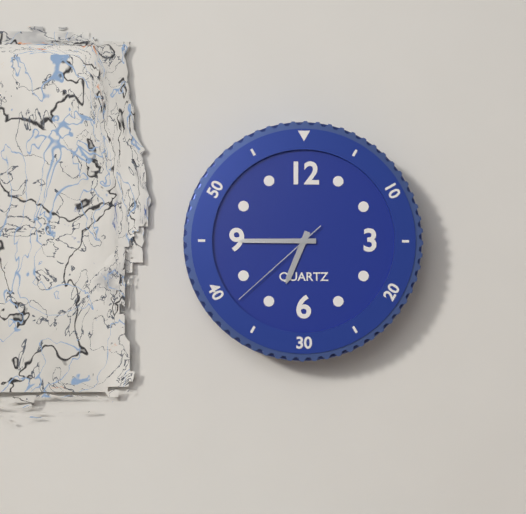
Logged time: {"hour": 6, "minute": 45, "second": 38}
